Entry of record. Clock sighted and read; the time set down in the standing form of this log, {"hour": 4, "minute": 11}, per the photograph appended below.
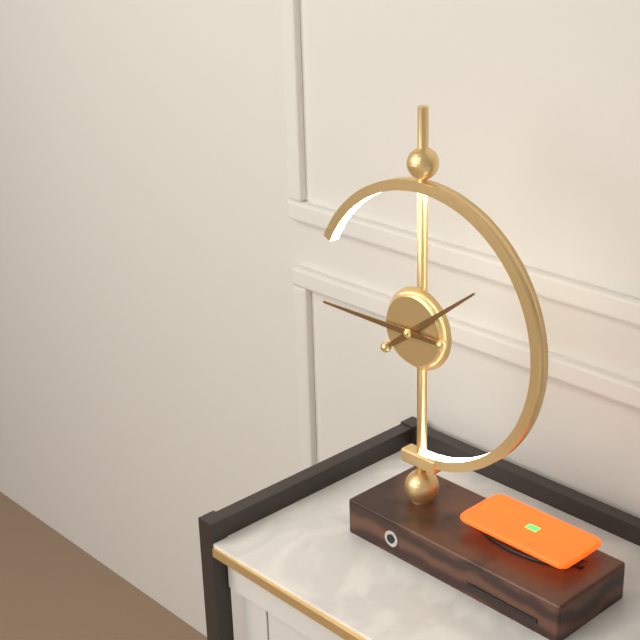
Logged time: {"hour": 1, "minute": 45}
